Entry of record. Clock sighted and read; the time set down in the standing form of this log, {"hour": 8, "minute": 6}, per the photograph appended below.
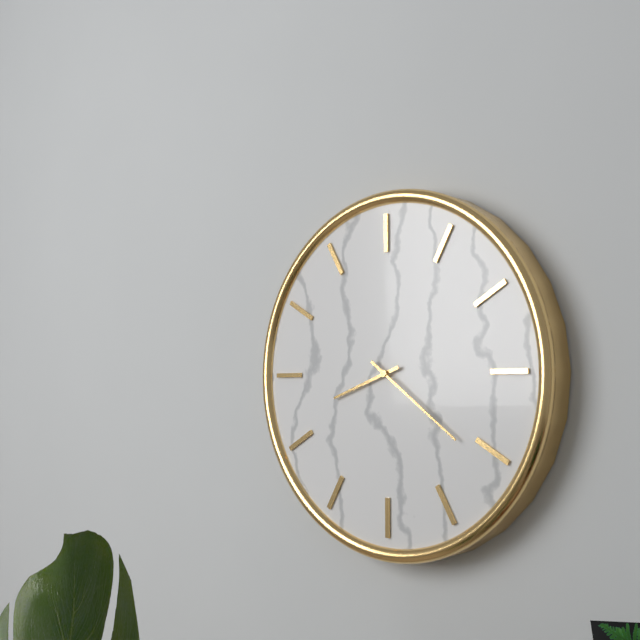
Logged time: {"hour": 8, "minute": 21}
